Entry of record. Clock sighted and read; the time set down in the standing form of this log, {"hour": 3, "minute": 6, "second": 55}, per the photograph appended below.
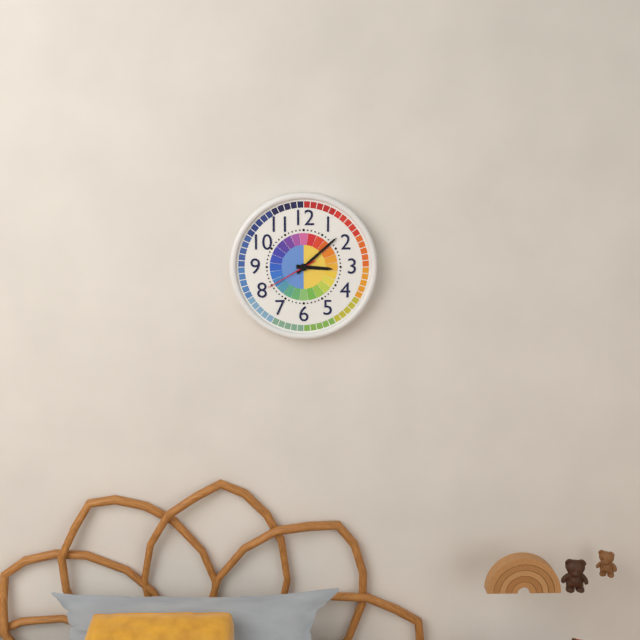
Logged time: {"hour": 3, "minute": 8, "second": 40}
